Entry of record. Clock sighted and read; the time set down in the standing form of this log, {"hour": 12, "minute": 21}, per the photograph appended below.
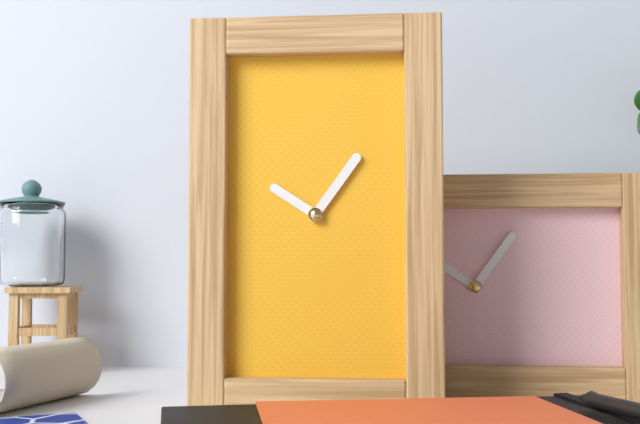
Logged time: {"hour": 10, "minute": 6}
